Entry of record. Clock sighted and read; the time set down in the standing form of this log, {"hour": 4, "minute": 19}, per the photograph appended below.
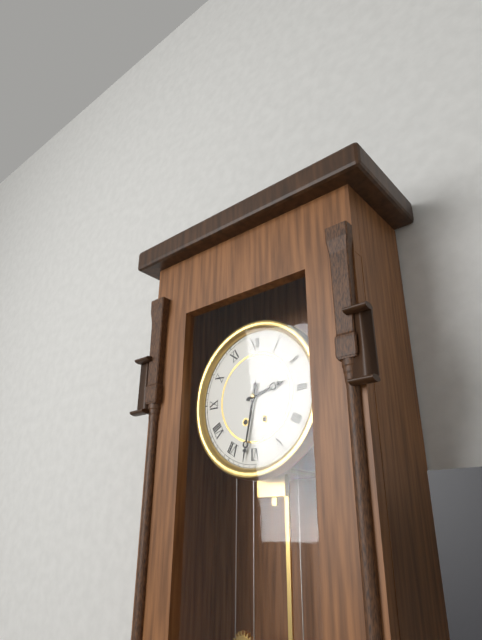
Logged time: {"hour": 2, "minute": 32}
